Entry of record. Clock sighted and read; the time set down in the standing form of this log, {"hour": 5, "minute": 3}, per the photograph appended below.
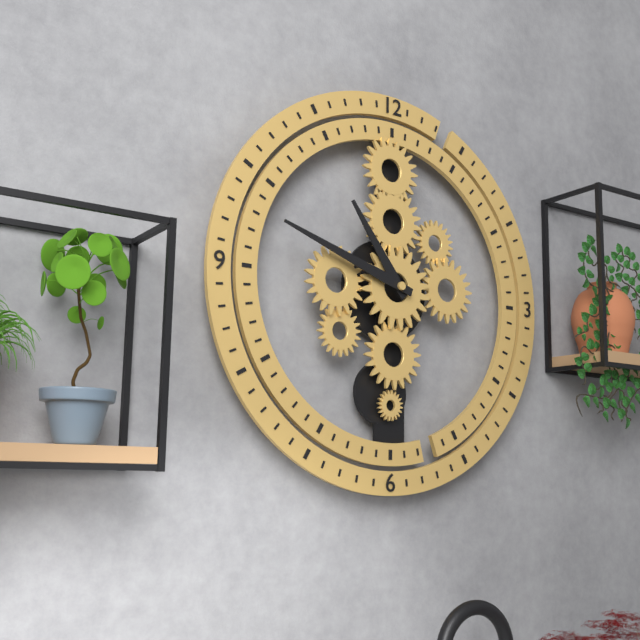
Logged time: {"hour": 10, "minute": 48}
